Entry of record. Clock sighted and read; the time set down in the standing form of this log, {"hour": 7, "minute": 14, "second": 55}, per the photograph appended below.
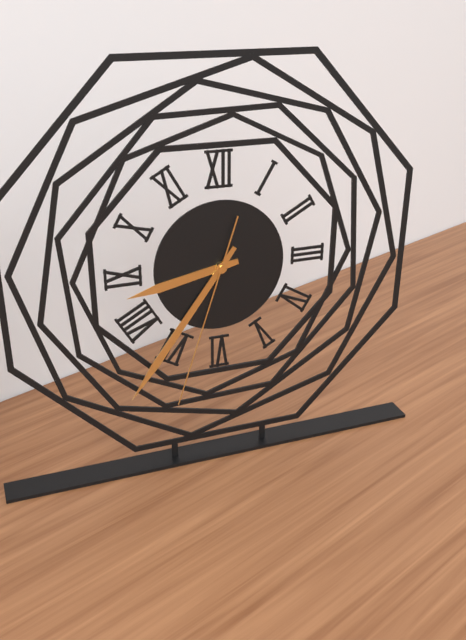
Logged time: {"hour": 8, "minute": 36, "second": 33}
